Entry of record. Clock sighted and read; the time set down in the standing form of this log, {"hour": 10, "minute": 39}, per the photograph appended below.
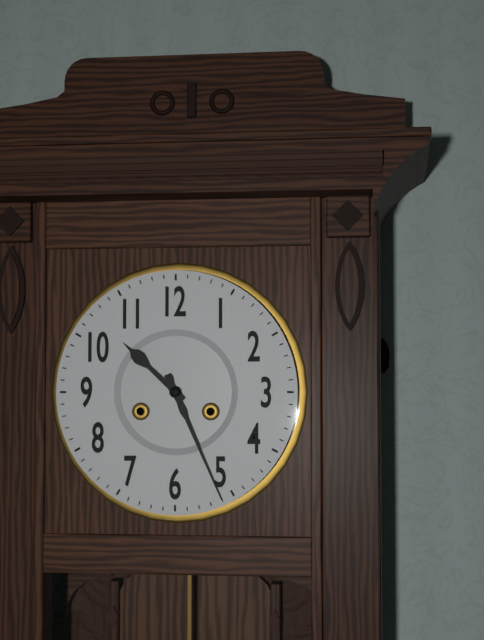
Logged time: {"hour": 10, "minute": 26}
